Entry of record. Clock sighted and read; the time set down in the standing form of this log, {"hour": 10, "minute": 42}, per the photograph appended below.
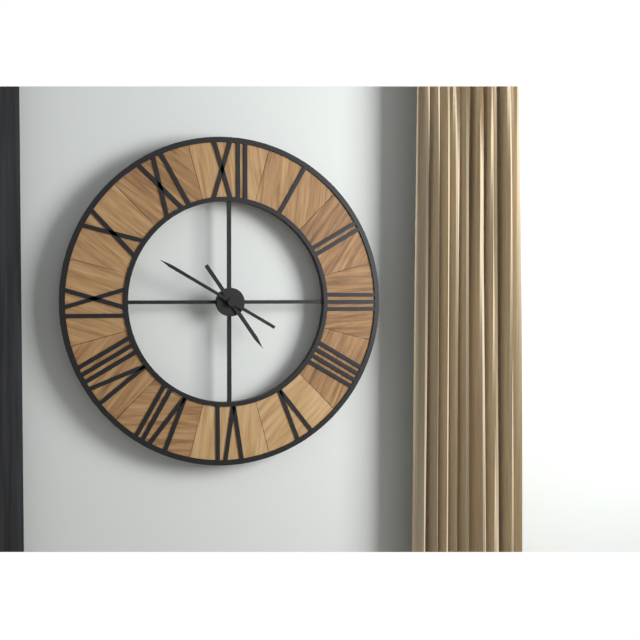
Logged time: {"hour": 4, "minute": 50}
